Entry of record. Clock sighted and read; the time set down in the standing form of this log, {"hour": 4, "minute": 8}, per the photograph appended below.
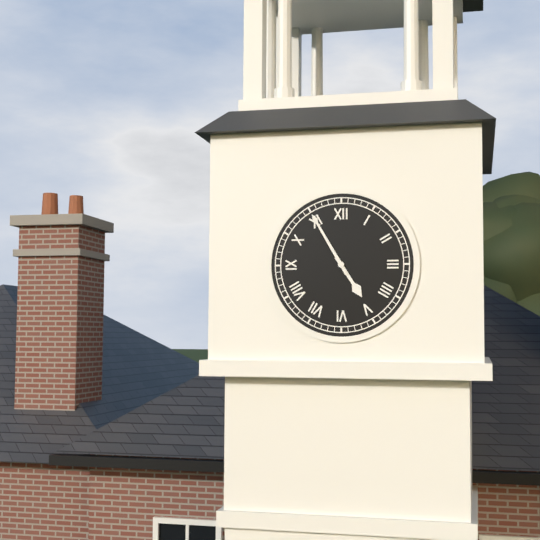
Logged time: {"hour": 4, "minute": 55}
